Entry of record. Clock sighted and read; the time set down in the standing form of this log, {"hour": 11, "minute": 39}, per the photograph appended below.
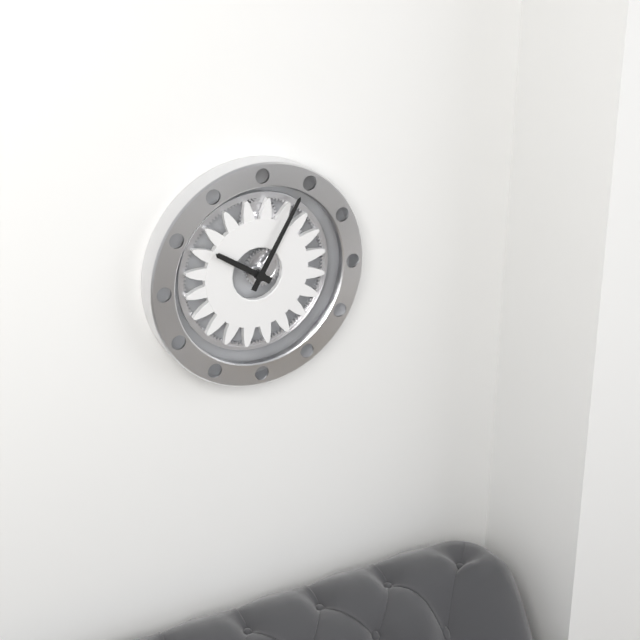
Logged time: {"hour": 10, "minute": 5}
